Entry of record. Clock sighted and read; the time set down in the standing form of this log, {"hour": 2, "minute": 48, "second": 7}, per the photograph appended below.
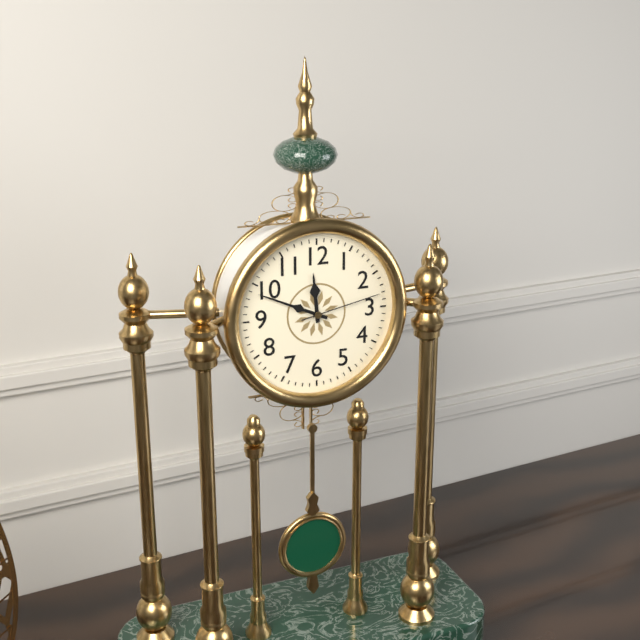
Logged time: {"hour": 11, "minute": 49, "second": 13}
